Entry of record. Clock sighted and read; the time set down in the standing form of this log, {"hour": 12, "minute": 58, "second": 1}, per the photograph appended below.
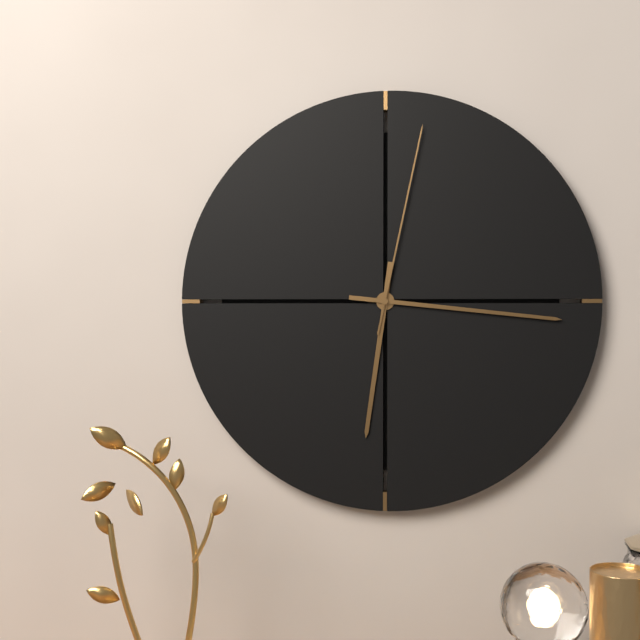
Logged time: {"hour": 6, "minute": 16, "second": 2}
